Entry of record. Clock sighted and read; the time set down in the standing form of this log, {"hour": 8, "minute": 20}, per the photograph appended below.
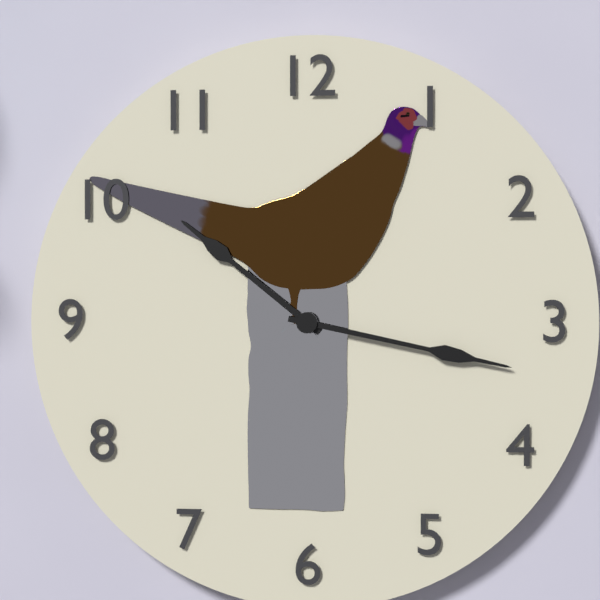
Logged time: {"hour": 10, "minute": 17}
